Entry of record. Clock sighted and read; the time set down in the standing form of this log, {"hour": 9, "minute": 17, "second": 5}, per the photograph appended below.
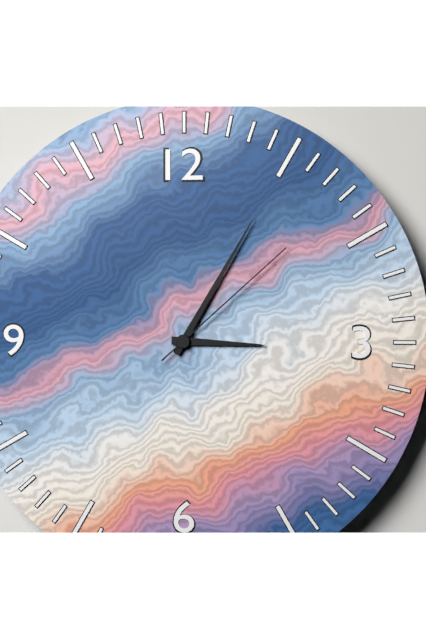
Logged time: {"hour": 3, "minute": 5, "second": 8}
